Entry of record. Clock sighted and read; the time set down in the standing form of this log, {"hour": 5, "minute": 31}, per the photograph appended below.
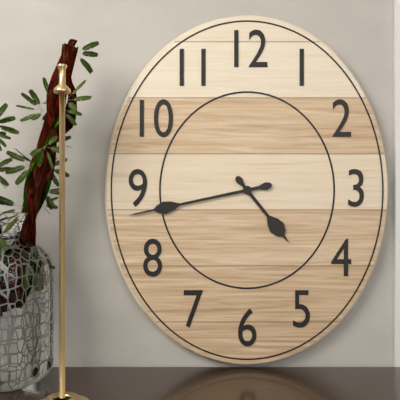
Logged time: {"hour": 4, "minute": 43}
